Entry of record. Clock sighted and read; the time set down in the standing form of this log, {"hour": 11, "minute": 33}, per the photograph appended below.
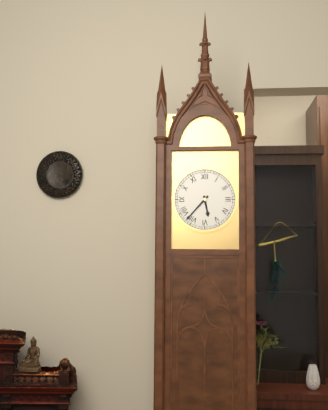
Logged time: {"hour": 5, "minute": 37}
